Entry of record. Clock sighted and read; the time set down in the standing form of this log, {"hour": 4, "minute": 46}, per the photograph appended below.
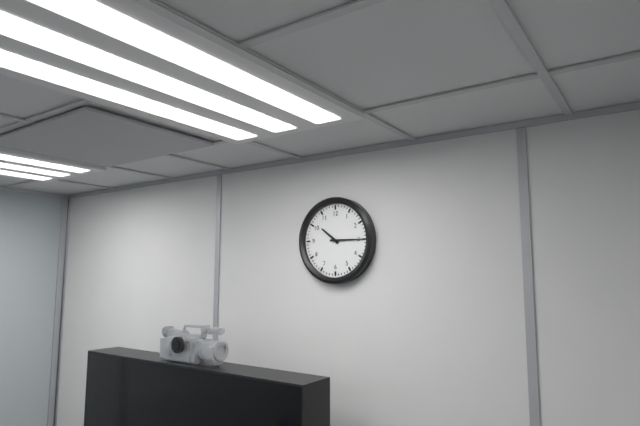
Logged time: {"hour": 10, "minute": 15}
